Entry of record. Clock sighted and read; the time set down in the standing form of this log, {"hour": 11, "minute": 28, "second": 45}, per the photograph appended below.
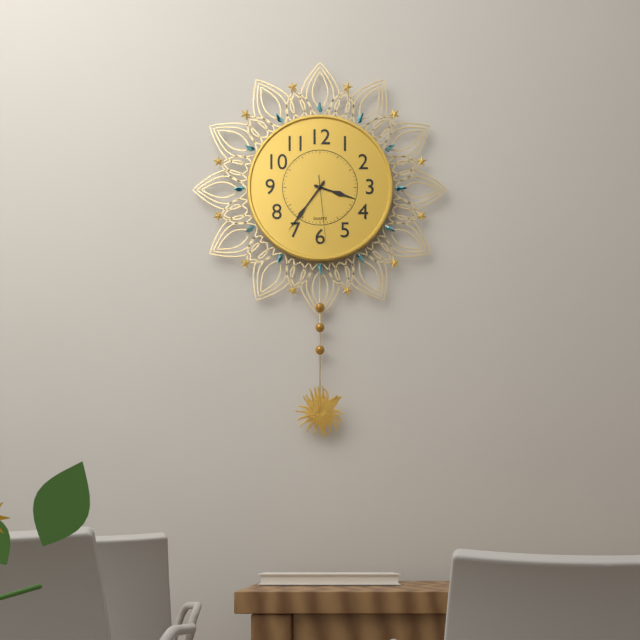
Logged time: {"hour": 3, "minute": 36, "second": 29}
